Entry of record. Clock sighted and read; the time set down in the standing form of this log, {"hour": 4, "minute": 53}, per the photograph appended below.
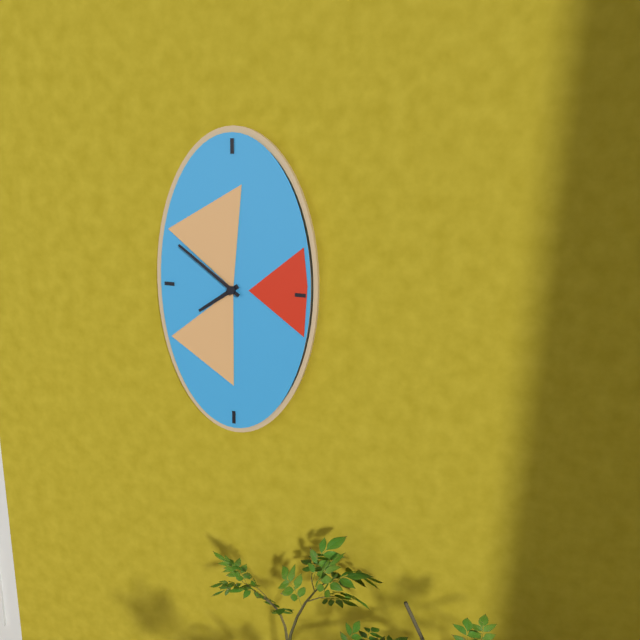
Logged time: {"hour": 7, "minute": 51}
